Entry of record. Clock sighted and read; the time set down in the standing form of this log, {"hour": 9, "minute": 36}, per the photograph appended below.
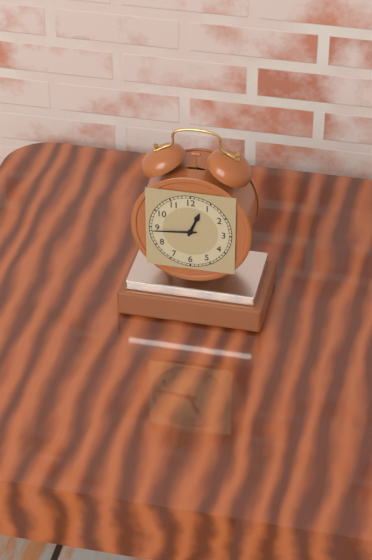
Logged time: {"hour": 12, "minute": 44}
